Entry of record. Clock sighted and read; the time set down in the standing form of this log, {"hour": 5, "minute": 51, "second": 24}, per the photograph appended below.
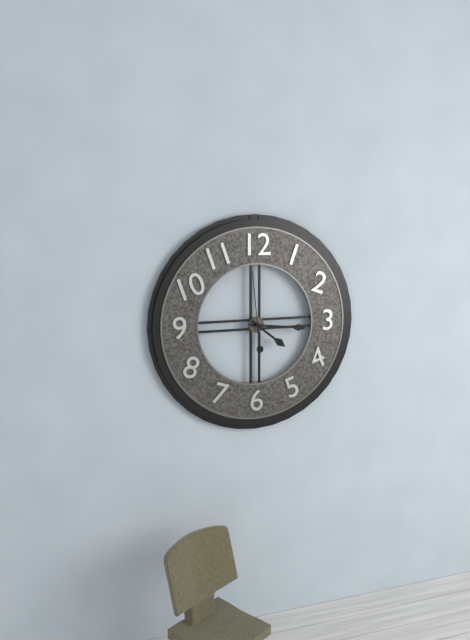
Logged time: {"hour": 4, "minute": 16, "second": 59}
